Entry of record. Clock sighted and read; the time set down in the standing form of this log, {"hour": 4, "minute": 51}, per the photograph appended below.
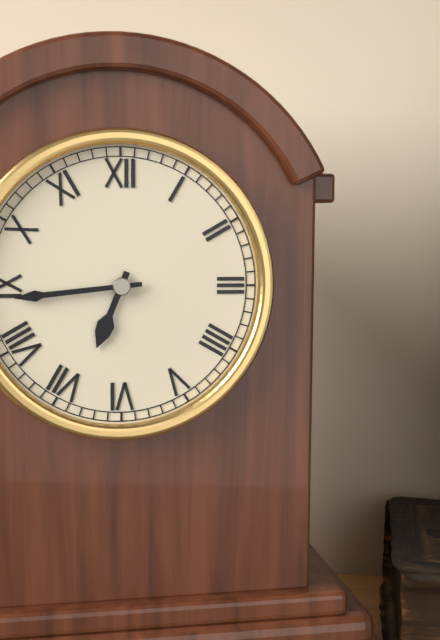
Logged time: {"hour": 6, "minute": 44}
